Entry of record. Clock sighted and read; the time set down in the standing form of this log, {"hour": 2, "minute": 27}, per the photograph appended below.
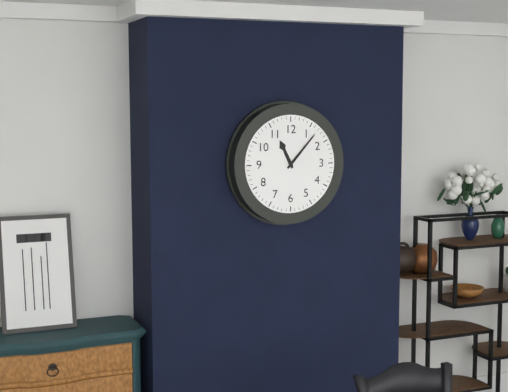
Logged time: {"hour": 11, "minute": 7}
